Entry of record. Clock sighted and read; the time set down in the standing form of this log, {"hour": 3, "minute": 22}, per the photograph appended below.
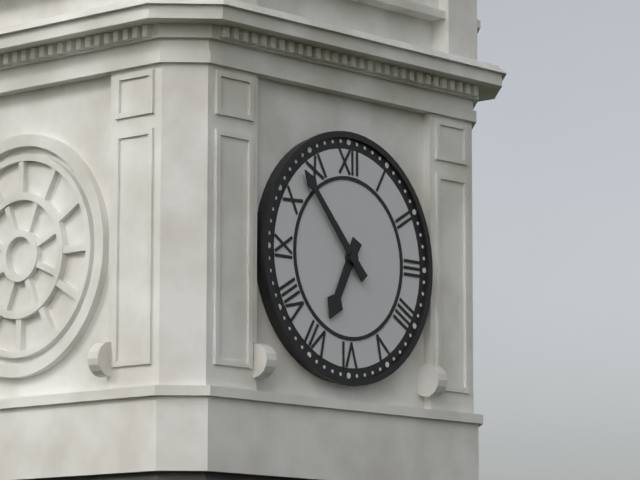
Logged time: {"hour": 6, "minute": 53}
